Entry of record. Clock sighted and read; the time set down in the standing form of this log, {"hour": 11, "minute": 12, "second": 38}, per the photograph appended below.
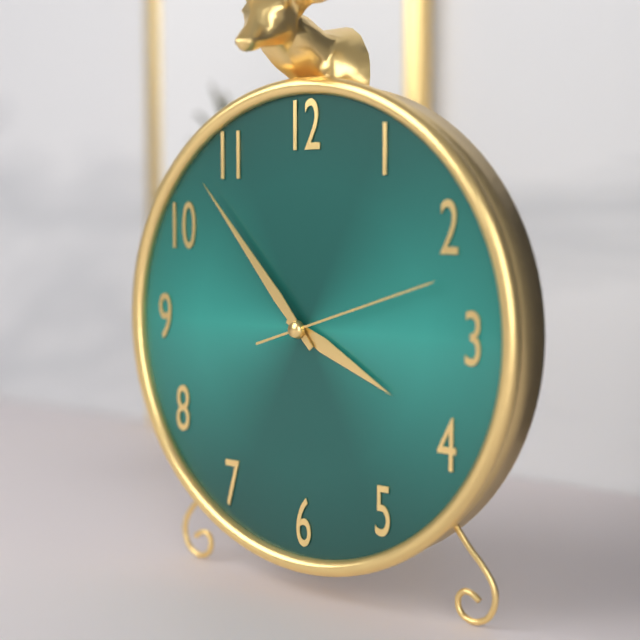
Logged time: {"hour": 3, "minute": 53, "second": 12}
